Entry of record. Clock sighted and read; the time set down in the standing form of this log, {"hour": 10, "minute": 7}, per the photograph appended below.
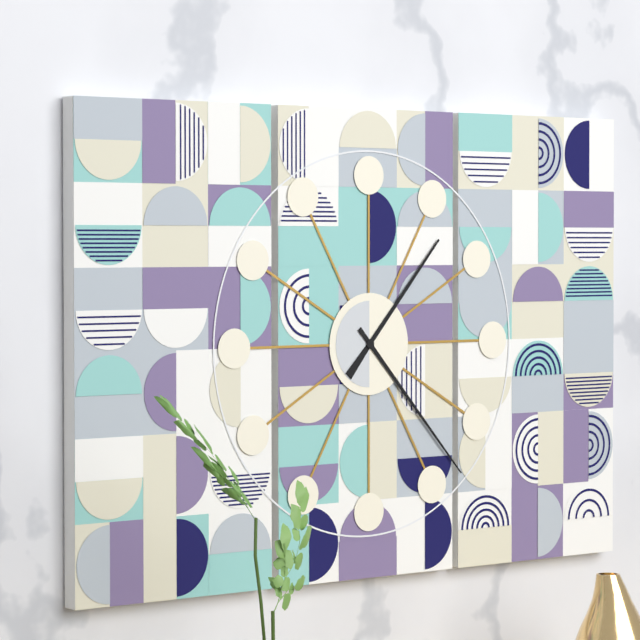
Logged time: {"hour": 1, "minute": 23}
